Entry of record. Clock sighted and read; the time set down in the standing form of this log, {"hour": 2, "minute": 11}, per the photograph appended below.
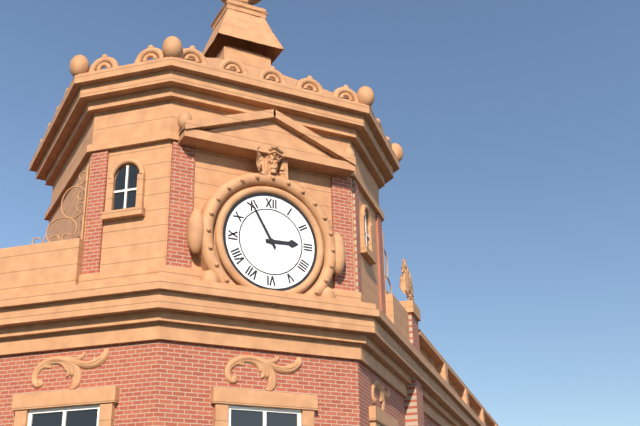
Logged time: {"hour": 2, "minute": 55}
